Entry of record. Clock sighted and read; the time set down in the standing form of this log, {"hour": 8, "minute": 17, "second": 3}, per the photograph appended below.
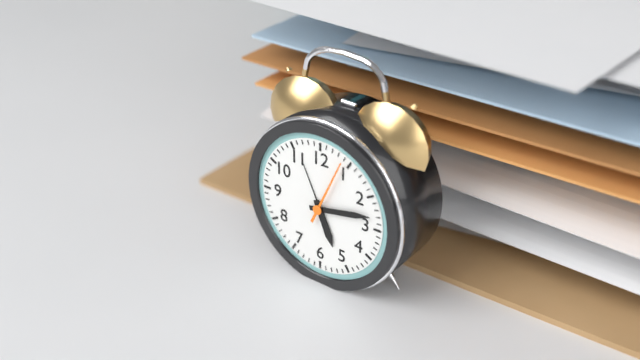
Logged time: {"hour": 5, "minute": 13, "second": 4}
